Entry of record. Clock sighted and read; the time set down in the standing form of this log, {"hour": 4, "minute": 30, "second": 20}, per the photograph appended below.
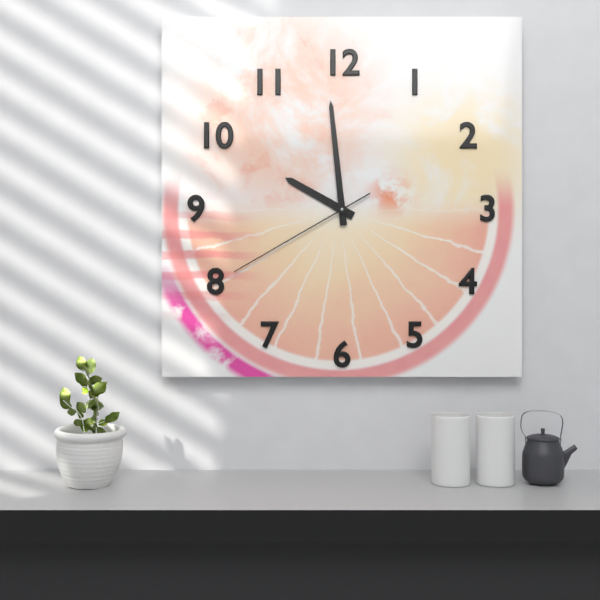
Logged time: {"hour": 9, "minute": 59, "second": 40}
